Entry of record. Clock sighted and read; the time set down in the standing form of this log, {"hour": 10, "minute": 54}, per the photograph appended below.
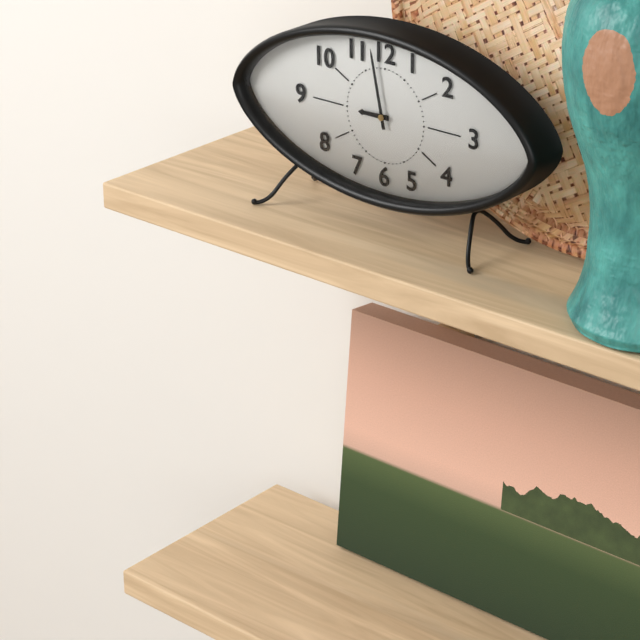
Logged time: {"hour": 8, "minute": 58}
